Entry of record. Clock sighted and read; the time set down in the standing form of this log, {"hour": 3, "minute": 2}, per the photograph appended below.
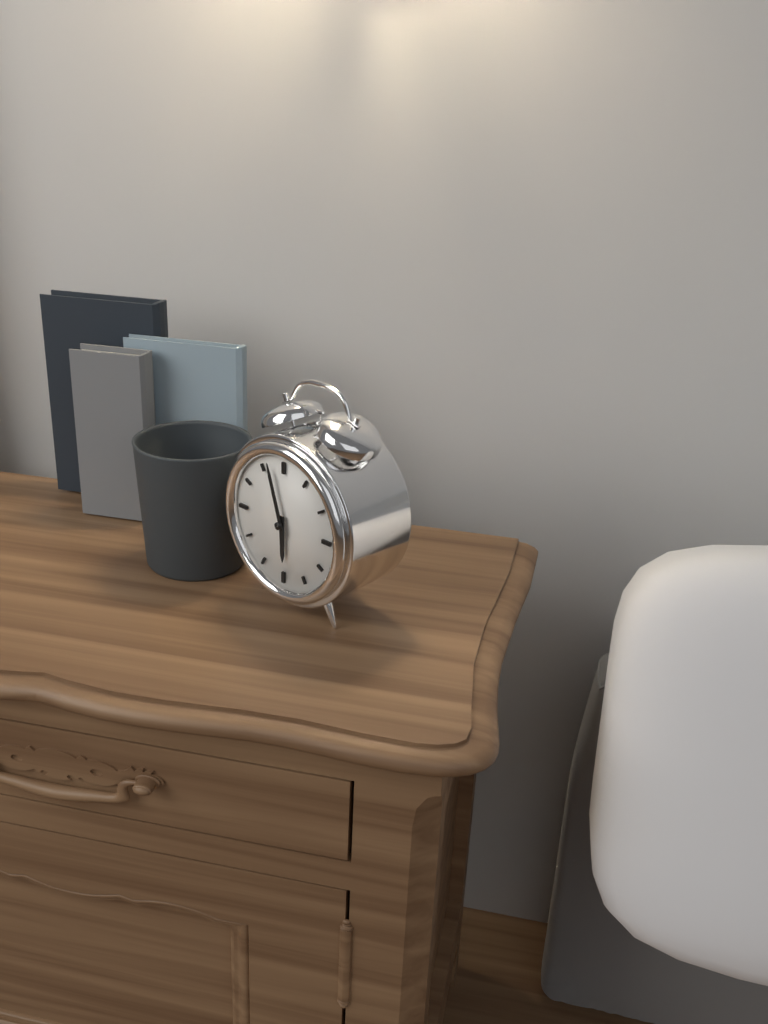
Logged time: {"hour": 5, "minute": 57}
